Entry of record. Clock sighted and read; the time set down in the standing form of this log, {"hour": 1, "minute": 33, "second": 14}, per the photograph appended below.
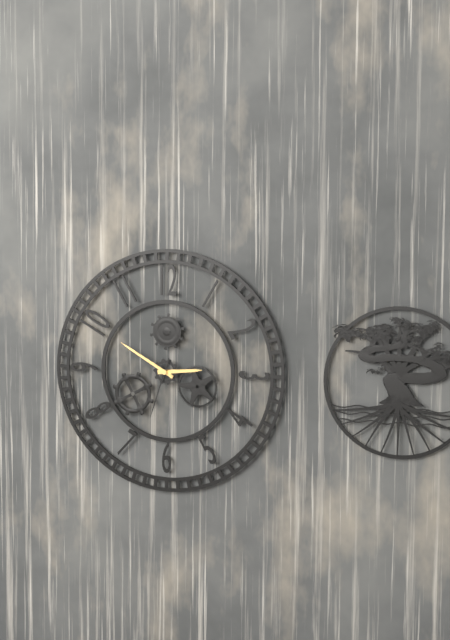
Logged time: {"hour": 2, "minute": 50, "second": 33}
